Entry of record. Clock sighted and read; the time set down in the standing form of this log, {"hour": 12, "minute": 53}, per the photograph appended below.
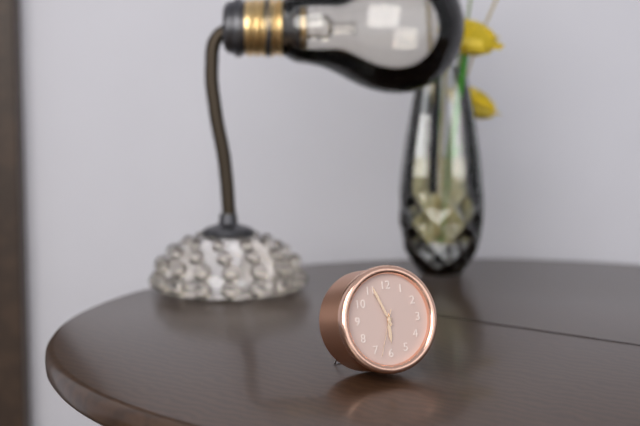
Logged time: {"hour": 5, "minute": 56}
